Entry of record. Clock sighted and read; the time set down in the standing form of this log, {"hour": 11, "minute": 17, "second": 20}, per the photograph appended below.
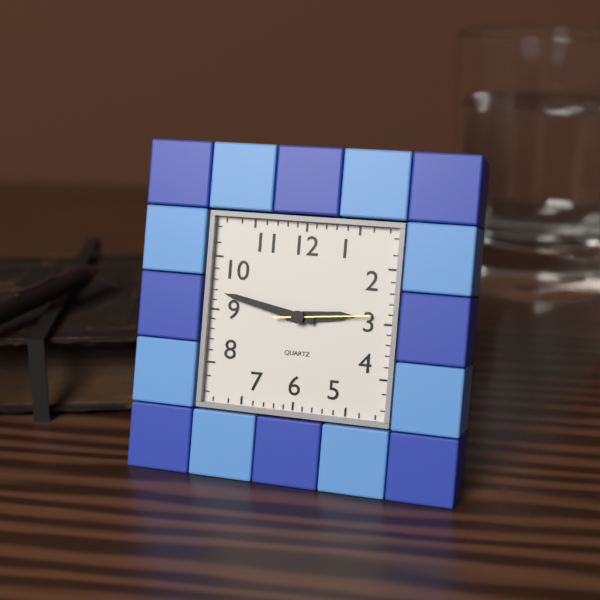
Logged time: {"hour": 2, "minute": 47, "second": 14}
